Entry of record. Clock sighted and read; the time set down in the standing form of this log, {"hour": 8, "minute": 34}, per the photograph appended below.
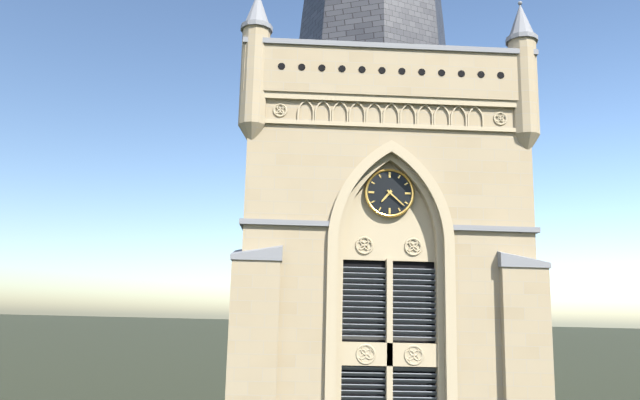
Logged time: {"hour": 7, "minute": 22}
